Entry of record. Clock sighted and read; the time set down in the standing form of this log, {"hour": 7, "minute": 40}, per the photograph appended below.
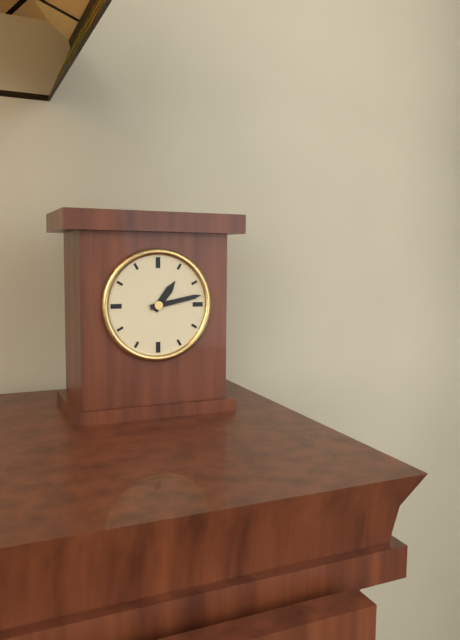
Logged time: {"hour": 1, "minute": 13}
